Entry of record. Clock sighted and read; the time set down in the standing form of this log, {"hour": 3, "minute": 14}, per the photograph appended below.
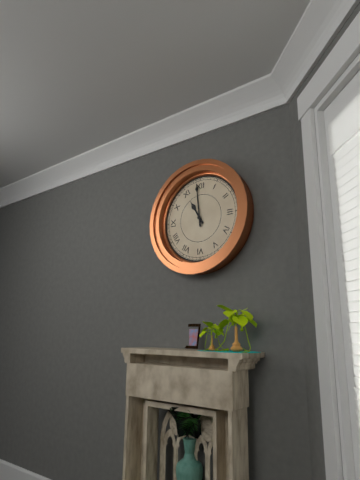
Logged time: {"hour": 10, "minute": 59}
